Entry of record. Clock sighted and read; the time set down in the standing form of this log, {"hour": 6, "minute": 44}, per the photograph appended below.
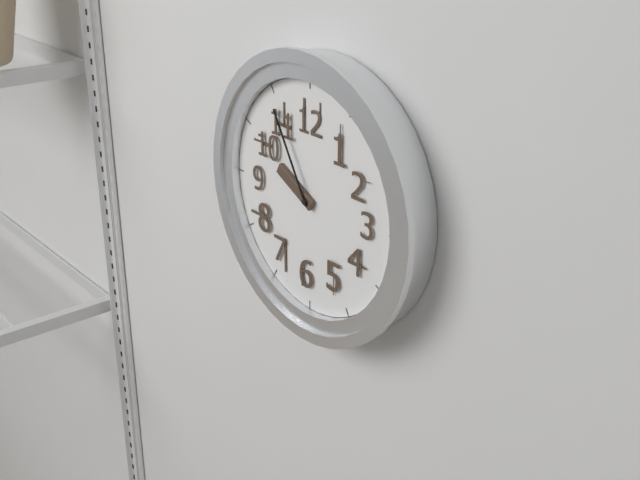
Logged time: {"hour": 9, "minute": 55}
